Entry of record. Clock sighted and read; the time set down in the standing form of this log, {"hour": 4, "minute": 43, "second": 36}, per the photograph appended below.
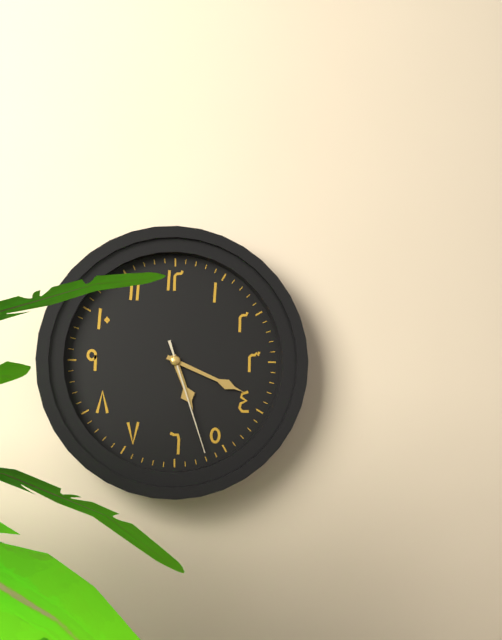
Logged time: {"hour": 5, "minute": 19, "second": 27}
